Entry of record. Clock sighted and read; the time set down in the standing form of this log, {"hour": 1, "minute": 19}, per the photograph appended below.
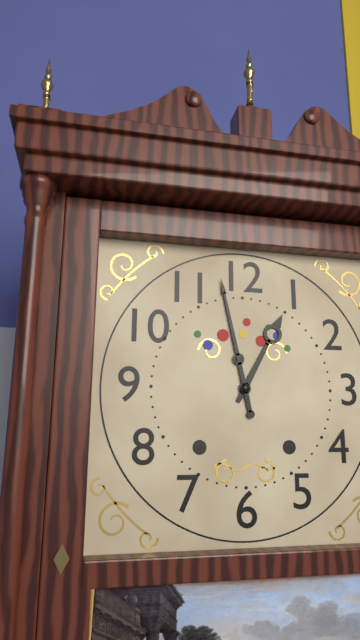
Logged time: {"hour": 12, "minute": 58}
